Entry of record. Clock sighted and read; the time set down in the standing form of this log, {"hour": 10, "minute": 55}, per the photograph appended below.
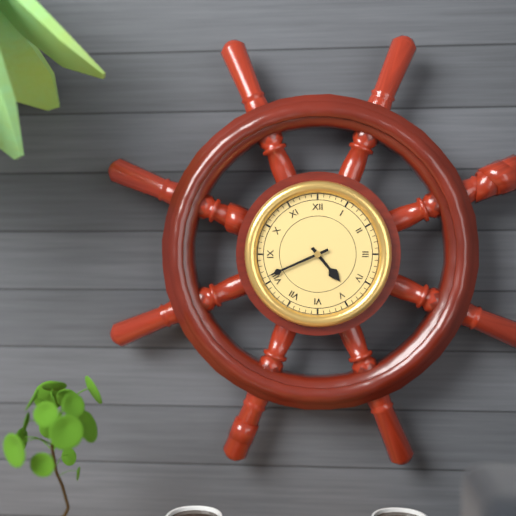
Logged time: {"hour": 4, "minute": 41}
